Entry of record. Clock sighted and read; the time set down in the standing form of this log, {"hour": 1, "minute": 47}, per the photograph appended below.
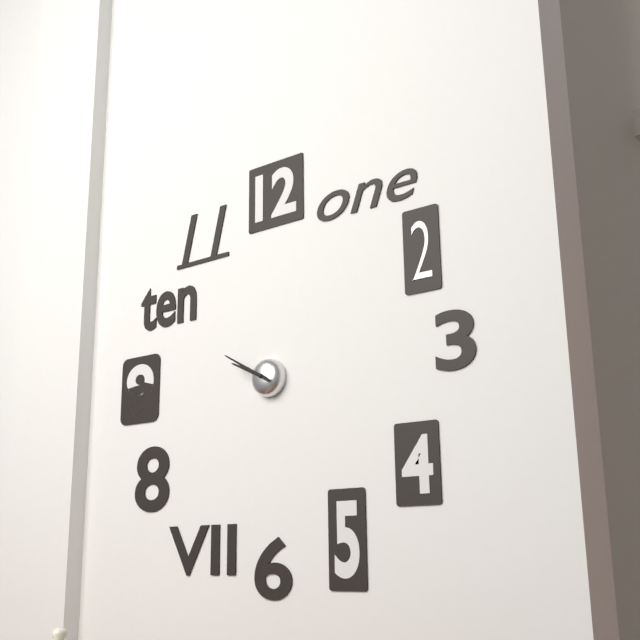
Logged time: {"hour": 9, "minute": 50}
